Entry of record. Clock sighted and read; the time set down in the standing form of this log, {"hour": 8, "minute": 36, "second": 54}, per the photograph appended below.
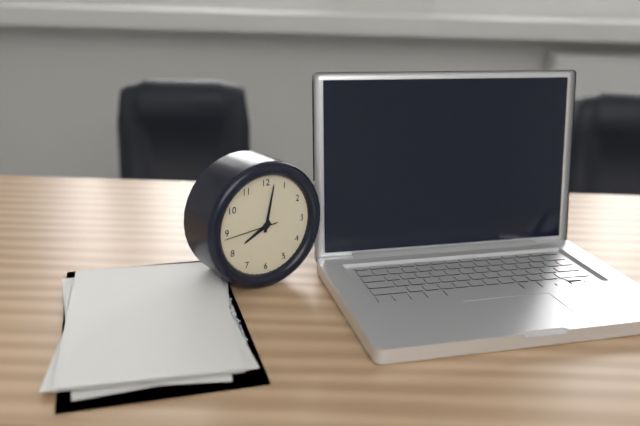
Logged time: {"hour": 8, "minute": 2, "second": 44}
